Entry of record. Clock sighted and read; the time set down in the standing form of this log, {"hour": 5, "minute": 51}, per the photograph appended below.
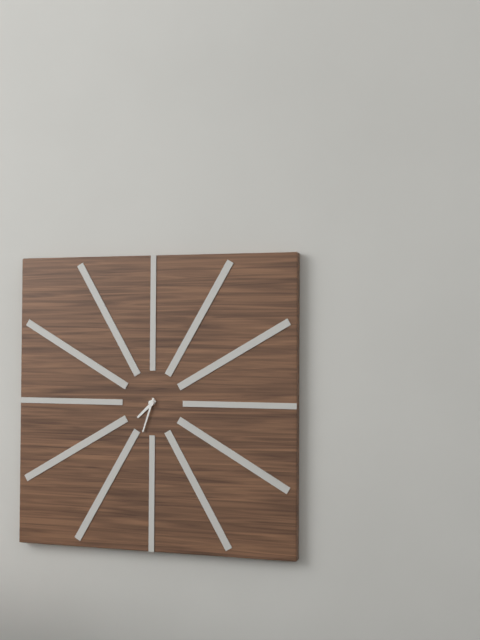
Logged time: {"hour": 7, "minute": 33}
